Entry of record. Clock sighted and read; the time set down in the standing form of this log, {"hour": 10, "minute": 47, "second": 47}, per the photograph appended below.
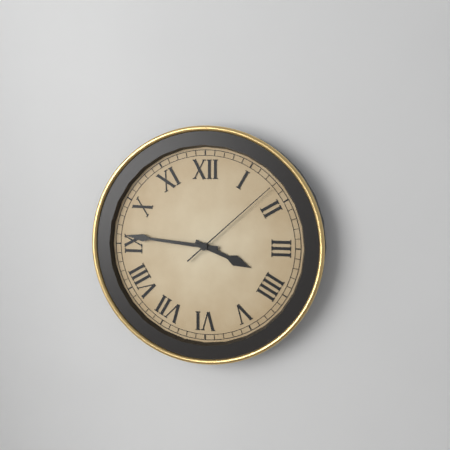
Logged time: {"hour": 3, "minute": 46, "second": 8}
